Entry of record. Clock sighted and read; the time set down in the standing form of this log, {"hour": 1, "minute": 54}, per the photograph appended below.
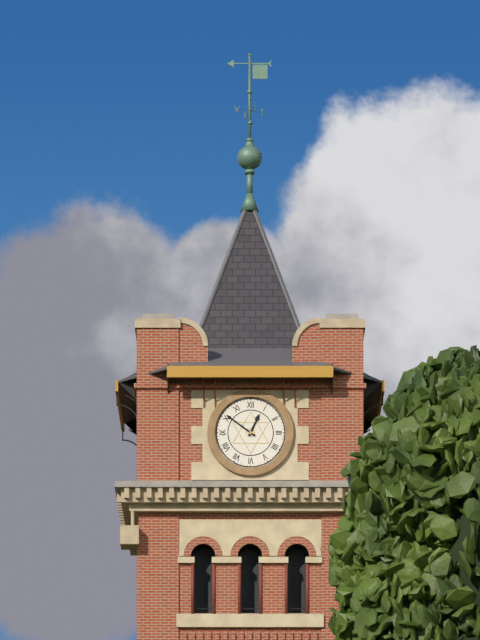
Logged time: {"hour": 12, "minute": 51}
